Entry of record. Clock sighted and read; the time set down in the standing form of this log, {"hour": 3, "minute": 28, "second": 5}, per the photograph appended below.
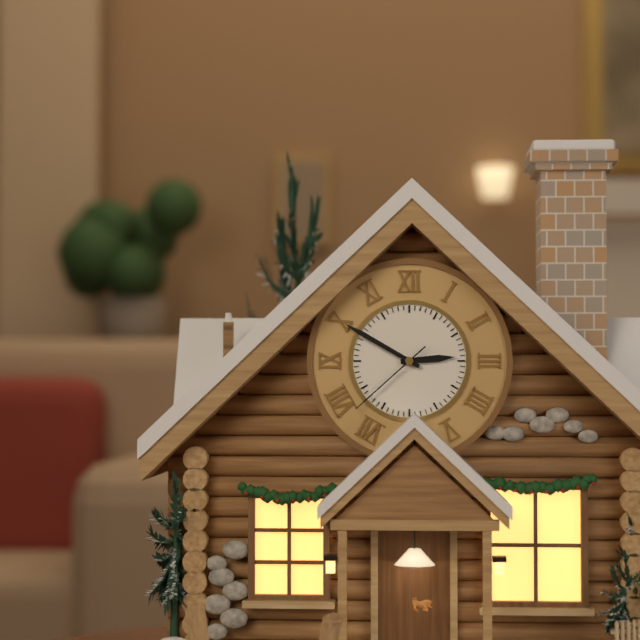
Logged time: {"hour": 2, "minute": 50, "second": 38}
